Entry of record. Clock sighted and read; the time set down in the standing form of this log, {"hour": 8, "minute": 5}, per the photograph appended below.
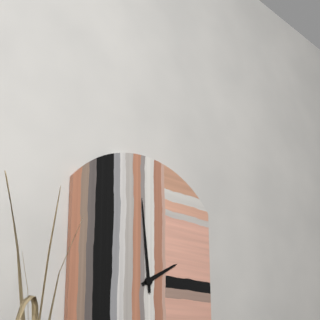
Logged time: {"hour": 1, "minute": 59}
